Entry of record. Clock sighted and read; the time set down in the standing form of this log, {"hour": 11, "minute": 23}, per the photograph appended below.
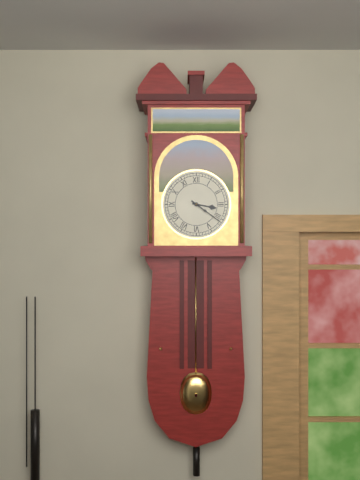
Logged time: {"hour": 3, "minute": 21}
